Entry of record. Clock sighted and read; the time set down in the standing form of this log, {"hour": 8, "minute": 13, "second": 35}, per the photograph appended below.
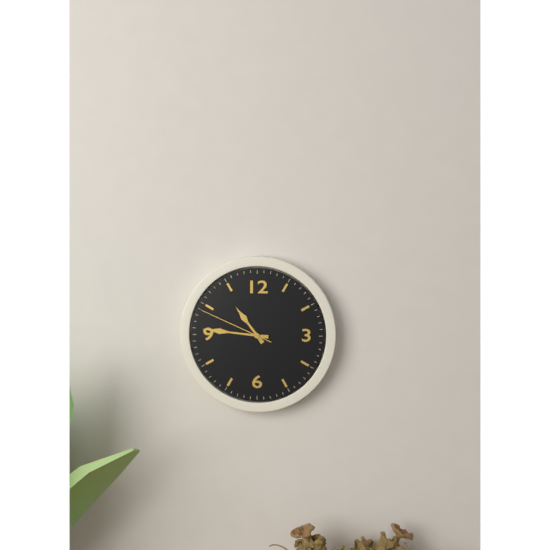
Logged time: {"hour": 10, "minute": 46, "second": 49}
